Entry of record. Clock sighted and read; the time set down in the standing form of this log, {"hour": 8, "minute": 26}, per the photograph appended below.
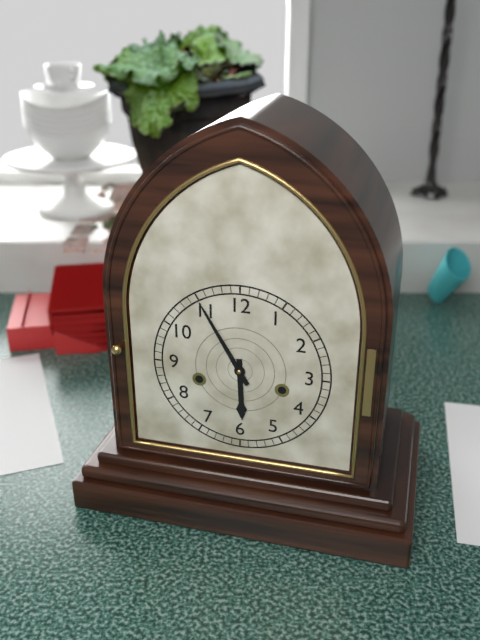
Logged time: {"hour": 5, "minute": 55}
